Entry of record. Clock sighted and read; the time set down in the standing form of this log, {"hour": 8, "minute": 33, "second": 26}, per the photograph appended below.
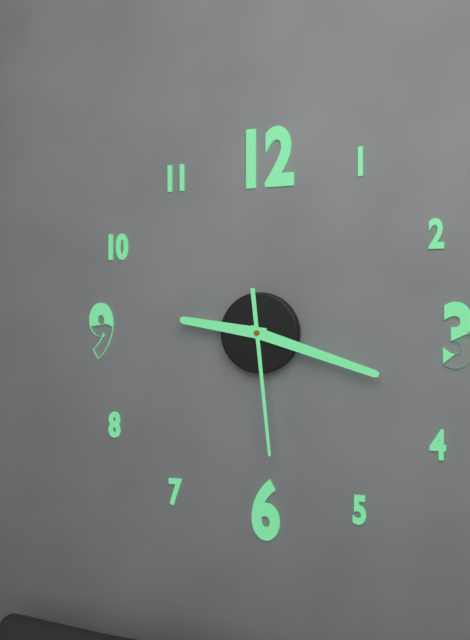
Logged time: {"hour": 9, "minute": 18, "second": 29}
